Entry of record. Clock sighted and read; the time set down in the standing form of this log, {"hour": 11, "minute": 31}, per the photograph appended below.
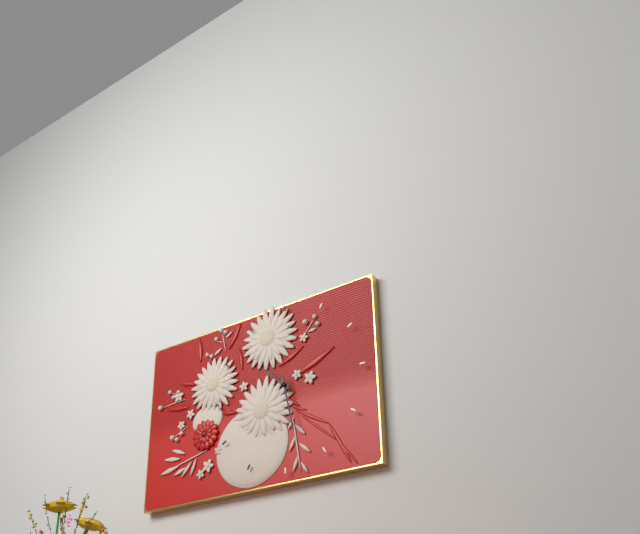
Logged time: {"hour": 10, "minute": 28}
